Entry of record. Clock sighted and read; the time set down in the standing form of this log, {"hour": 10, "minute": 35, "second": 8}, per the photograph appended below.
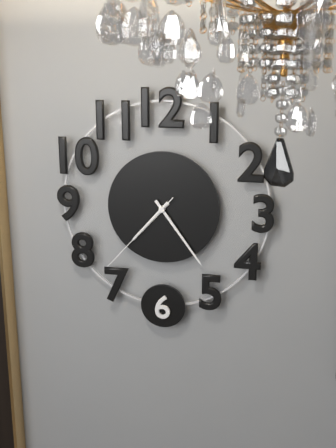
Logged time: {"hour": 7, "minute": 24, "second": 37}
